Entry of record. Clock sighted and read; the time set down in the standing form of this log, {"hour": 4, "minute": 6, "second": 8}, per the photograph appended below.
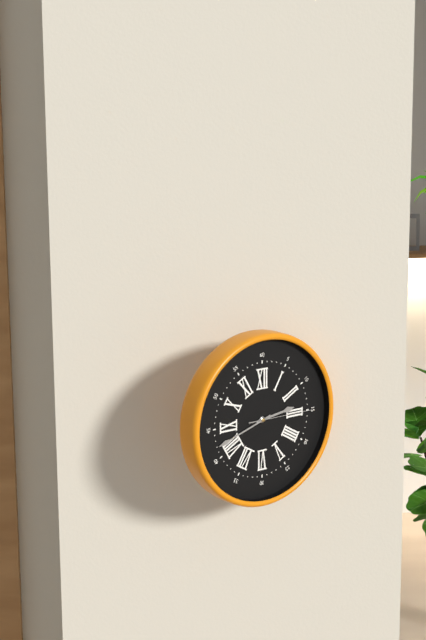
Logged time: {"hour": 2, "minute": 42, "second": 15}
